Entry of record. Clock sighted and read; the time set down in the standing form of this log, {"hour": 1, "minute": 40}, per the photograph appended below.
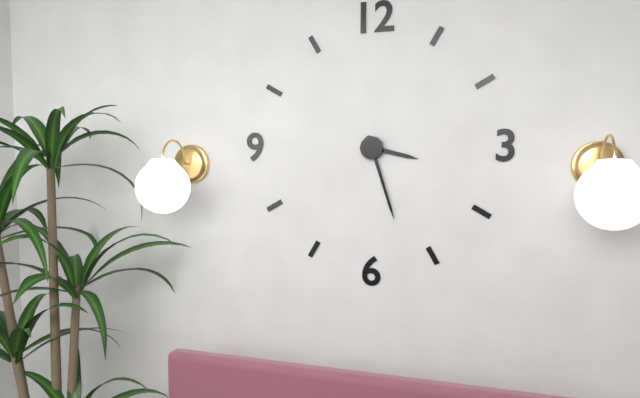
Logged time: {"hour": 3, "minute": 27}
